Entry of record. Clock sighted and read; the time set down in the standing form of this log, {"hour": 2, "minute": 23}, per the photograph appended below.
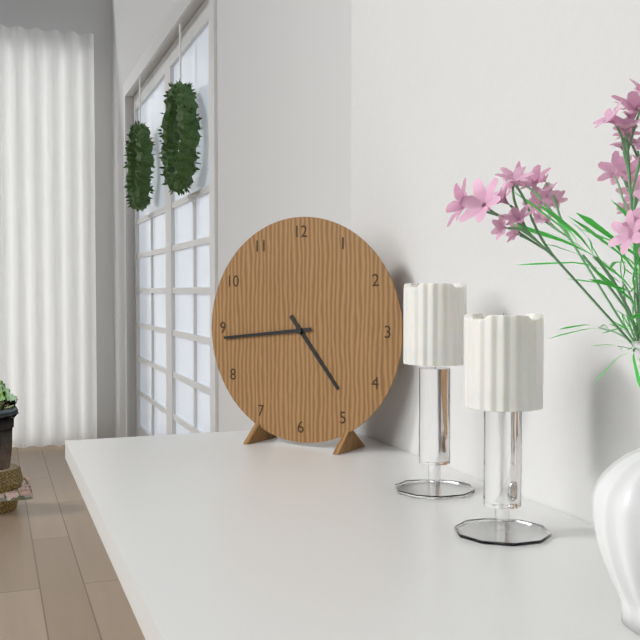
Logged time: {"hour": 4, "minute": 44}
